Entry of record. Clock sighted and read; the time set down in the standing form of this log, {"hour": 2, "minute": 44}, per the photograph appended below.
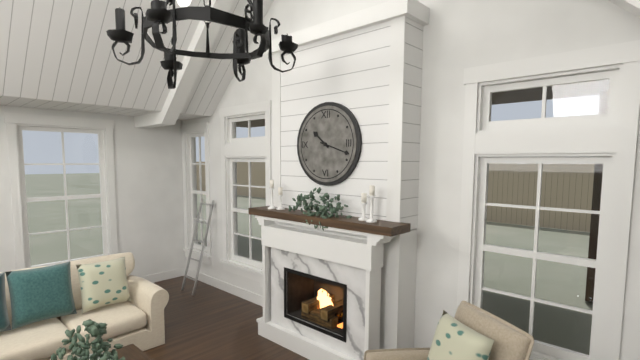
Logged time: {"hour": 10, "minute": 18}
